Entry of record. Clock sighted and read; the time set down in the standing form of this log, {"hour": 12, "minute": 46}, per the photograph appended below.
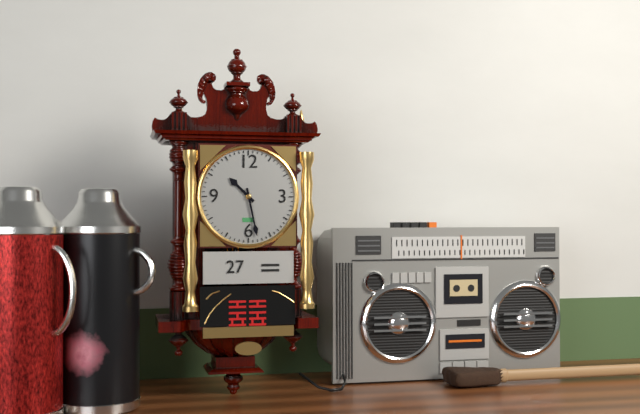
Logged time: {"hour": 10, "minute": 28}
